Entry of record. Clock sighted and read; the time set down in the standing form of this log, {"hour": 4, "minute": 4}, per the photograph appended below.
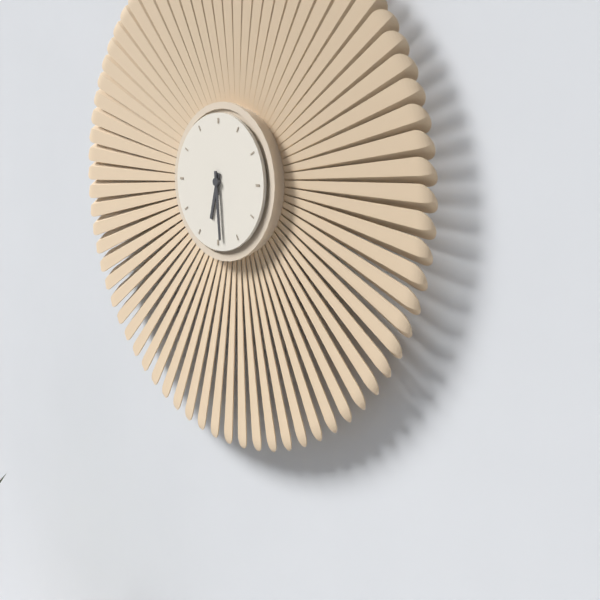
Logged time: {"hour": 6, "minute": 29}
